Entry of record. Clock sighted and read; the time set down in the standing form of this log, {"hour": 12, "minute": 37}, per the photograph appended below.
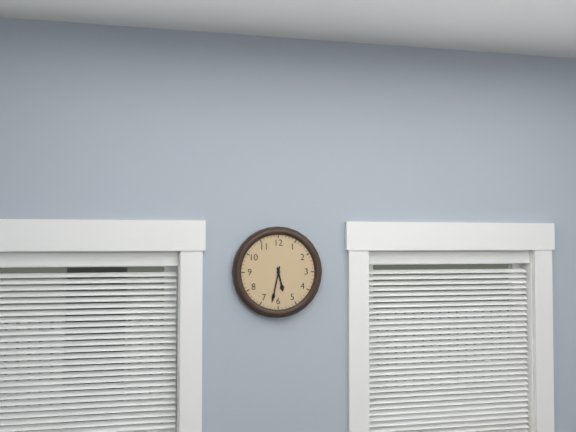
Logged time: {"hour": 5, "minute": 32}
